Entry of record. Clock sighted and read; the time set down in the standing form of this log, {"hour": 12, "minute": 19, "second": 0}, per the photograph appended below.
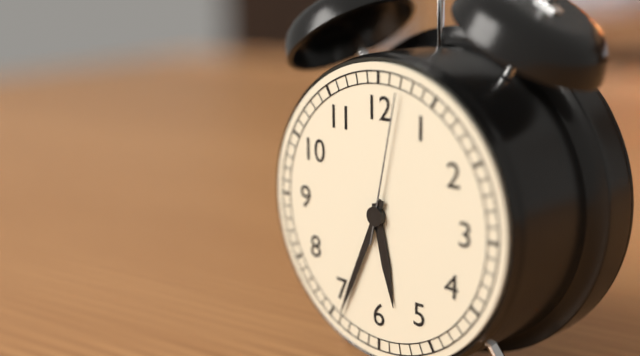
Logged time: {"hour": 5, "minute": 34, "second": 2}
